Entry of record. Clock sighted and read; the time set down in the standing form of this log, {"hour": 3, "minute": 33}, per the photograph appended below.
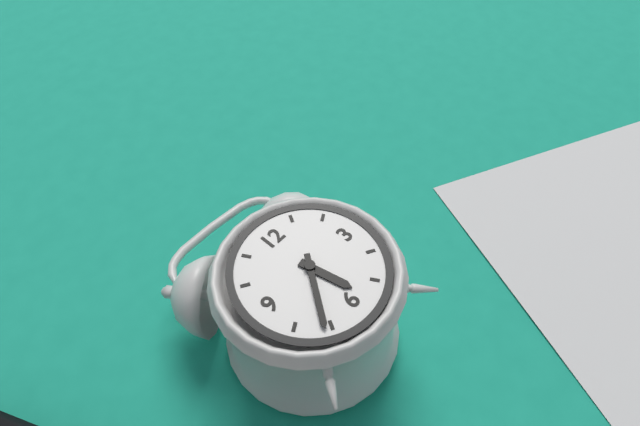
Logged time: {"hour": 5, "minute": 36}
